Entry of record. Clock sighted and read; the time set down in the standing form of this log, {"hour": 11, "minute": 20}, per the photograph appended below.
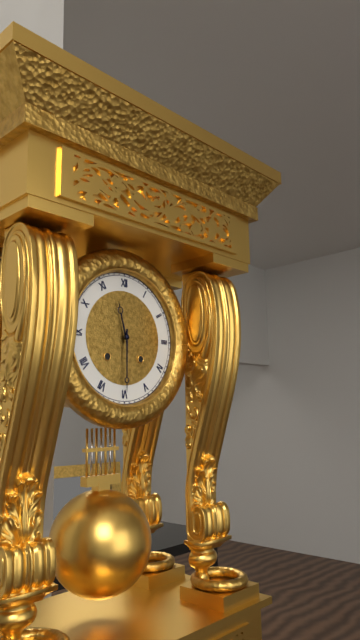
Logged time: {"hour": 11, "minute": 30}
